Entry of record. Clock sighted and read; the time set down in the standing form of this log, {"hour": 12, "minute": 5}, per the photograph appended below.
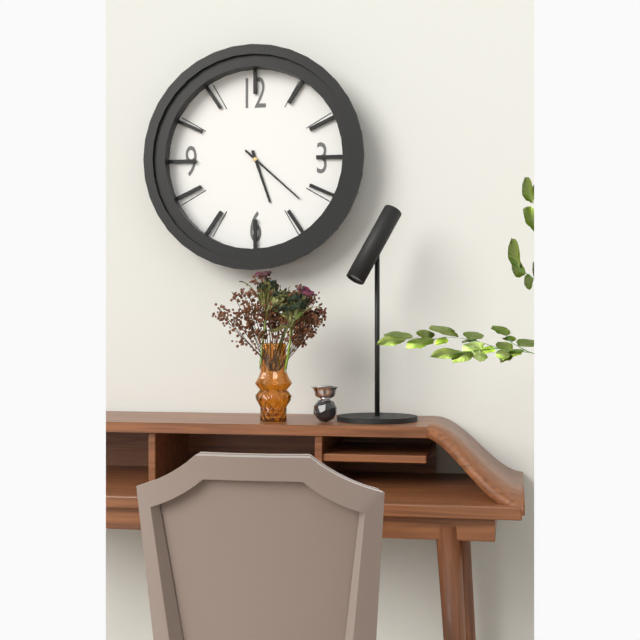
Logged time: {"hour": 5, "minute": 22}
